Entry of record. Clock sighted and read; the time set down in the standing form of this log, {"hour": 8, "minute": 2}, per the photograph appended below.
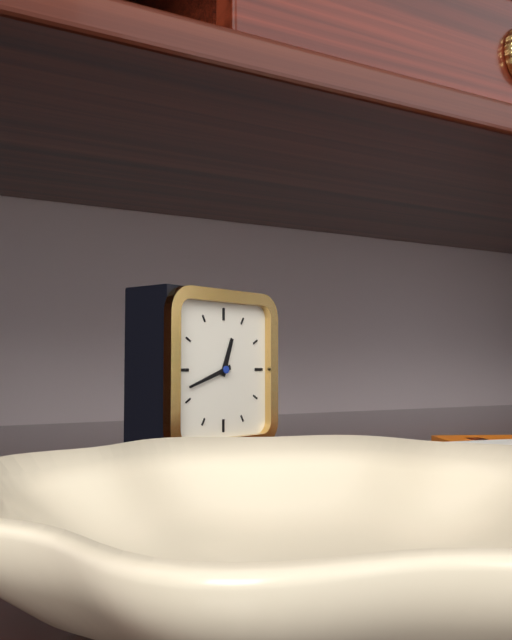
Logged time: {"hour": 12, "minute": 42}
